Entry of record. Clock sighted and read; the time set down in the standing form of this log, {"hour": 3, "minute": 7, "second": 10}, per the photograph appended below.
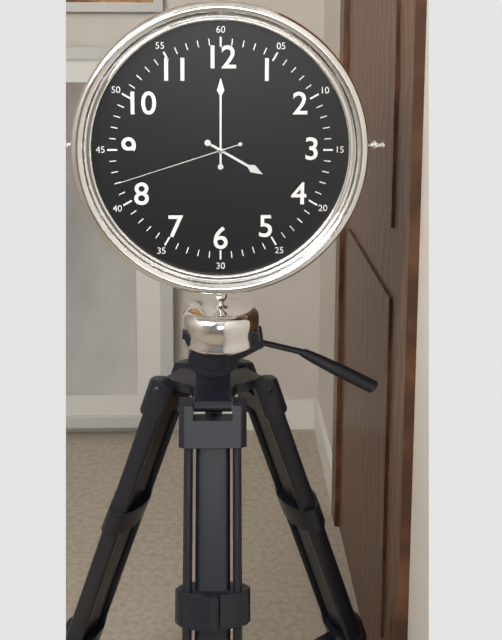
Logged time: {"hour": 4, "minute": 0, "second": 42}
